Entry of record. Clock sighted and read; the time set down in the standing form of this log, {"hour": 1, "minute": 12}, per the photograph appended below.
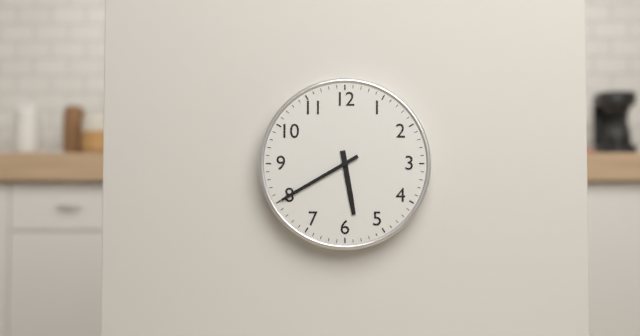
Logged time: {"hour": 5, "minute": 40}
